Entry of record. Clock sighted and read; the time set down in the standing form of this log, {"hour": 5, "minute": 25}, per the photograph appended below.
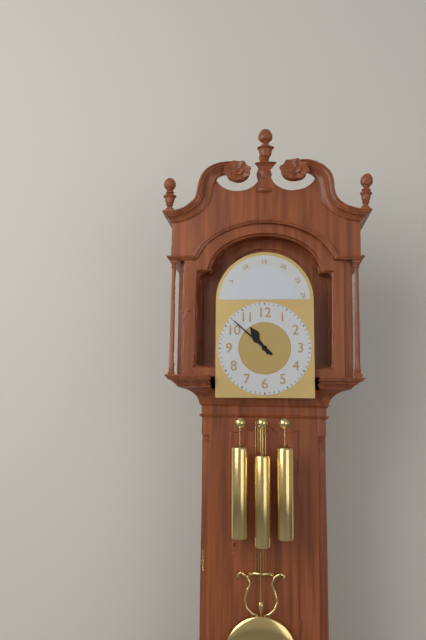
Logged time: {"hour": 10, "minute": 52}
